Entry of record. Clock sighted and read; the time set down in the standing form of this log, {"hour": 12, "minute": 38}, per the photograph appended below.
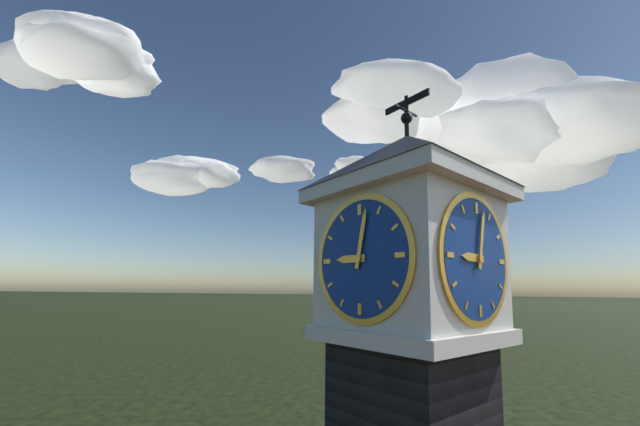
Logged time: {"hour": 9, "minute": 2}
